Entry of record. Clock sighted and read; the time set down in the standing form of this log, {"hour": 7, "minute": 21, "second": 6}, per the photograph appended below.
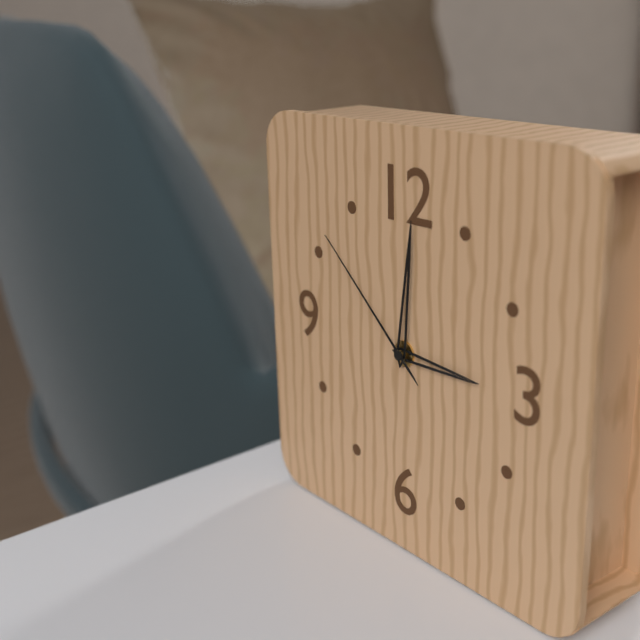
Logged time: {"hour": 3, "minute": 1, "second": 52}
